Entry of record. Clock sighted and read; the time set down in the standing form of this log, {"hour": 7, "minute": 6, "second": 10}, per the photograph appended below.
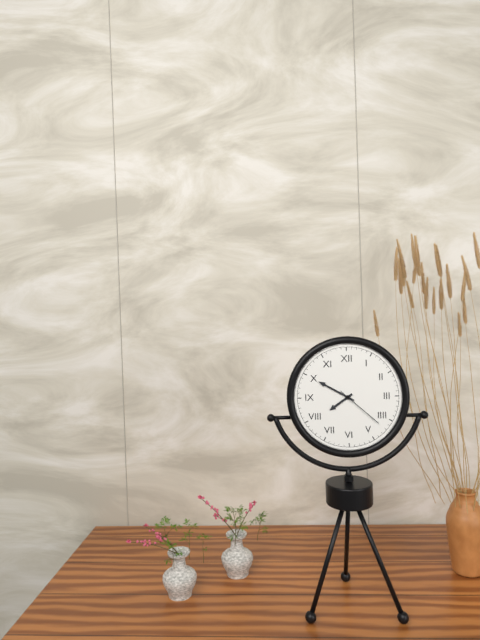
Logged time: {"hour": 7, "minute": 50, "second": 22}
